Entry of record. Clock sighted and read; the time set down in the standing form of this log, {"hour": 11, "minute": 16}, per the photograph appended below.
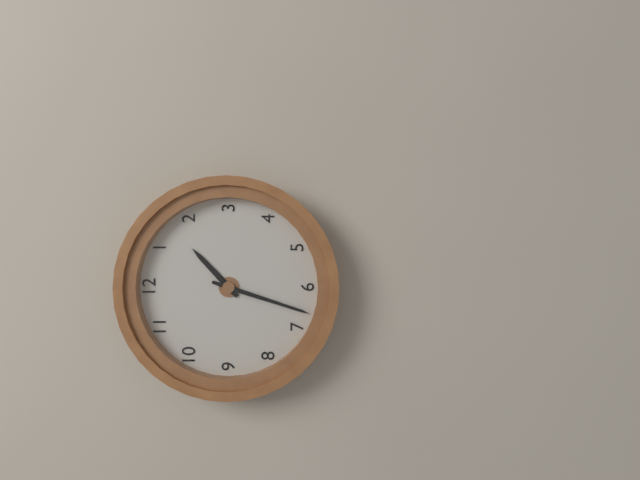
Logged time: {"hour": 1, "minute": 33}
